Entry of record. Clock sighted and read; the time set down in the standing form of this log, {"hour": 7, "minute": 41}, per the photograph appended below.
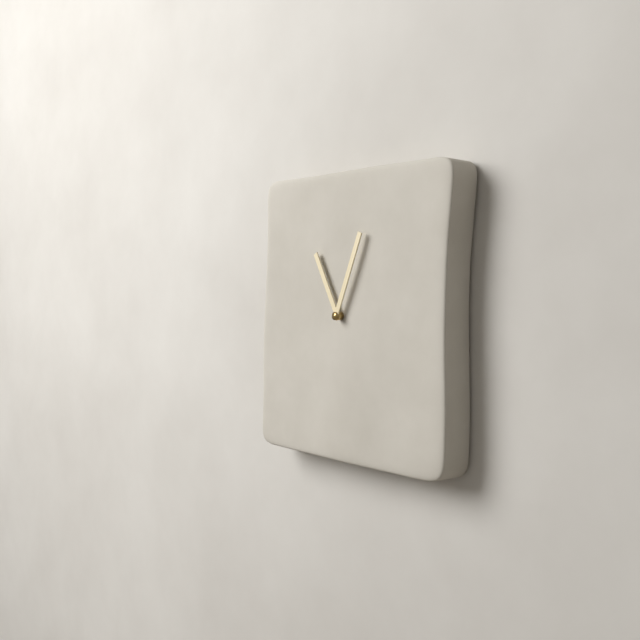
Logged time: {"hour": 11, "minute": 4}
